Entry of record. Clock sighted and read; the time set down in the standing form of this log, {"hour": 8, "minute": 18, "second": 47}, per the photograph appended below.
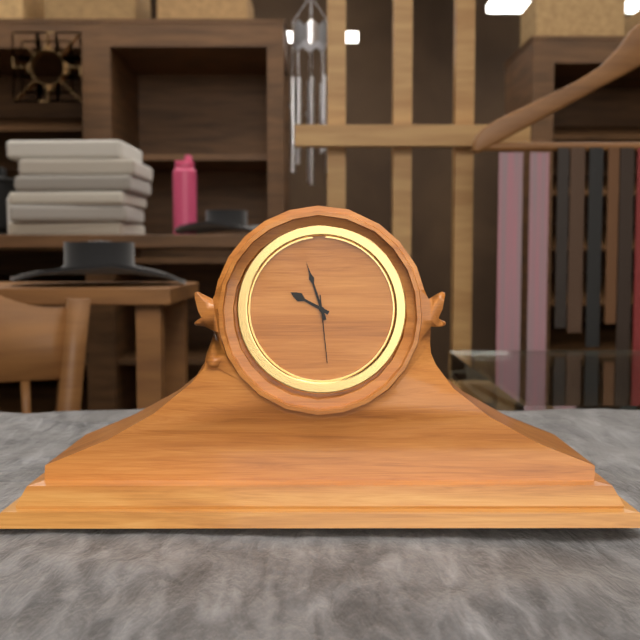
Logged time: {"hour": 9, "minute": 57, "second": 29}
